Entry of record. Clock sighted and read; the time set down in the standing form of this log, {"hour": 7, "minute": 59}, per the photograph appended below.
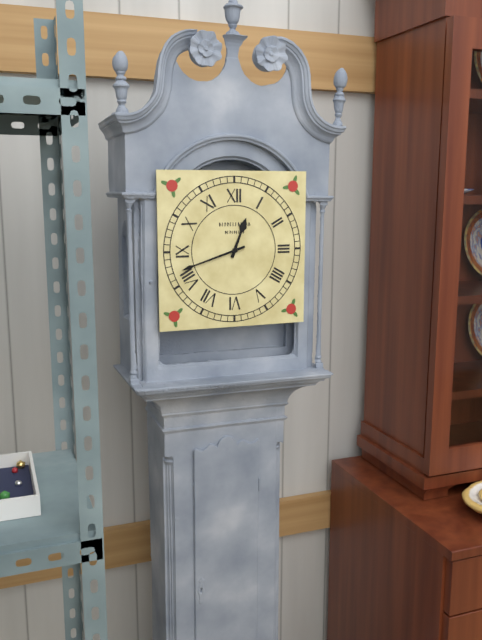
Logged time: {"hour": 12, "minute": 42}
